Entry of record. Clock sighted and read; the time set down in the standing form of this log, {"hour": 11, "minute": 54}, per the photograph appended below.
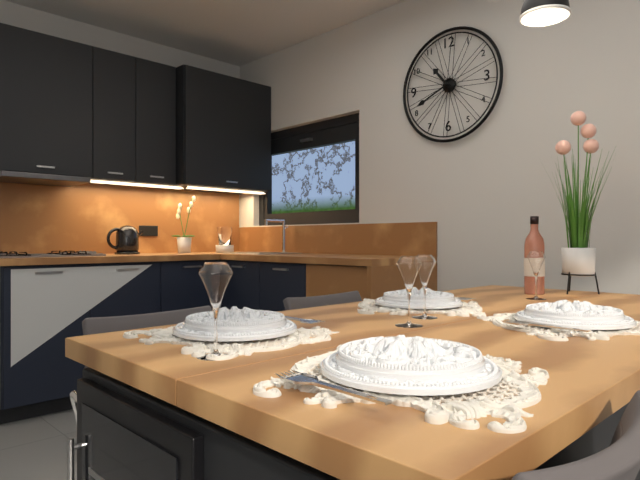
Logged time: {"hour": 10, "minute": 41}
